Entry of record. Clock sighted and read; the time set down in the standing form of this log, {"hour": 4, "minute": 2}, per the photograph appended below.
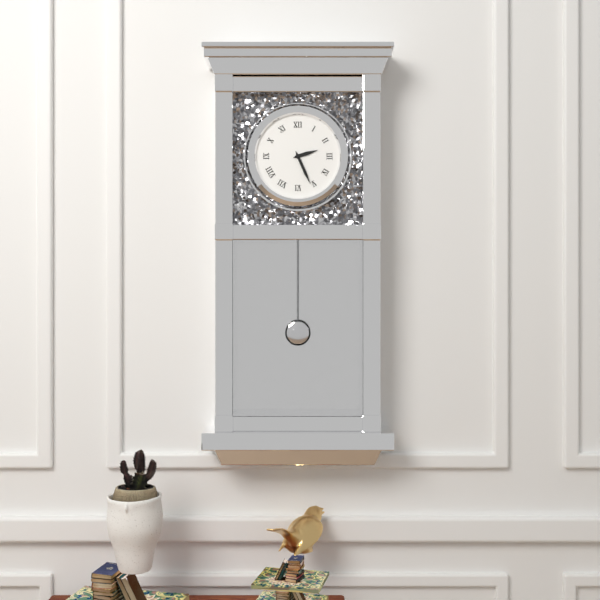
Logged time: {"hour": 2, "minute": 26}
